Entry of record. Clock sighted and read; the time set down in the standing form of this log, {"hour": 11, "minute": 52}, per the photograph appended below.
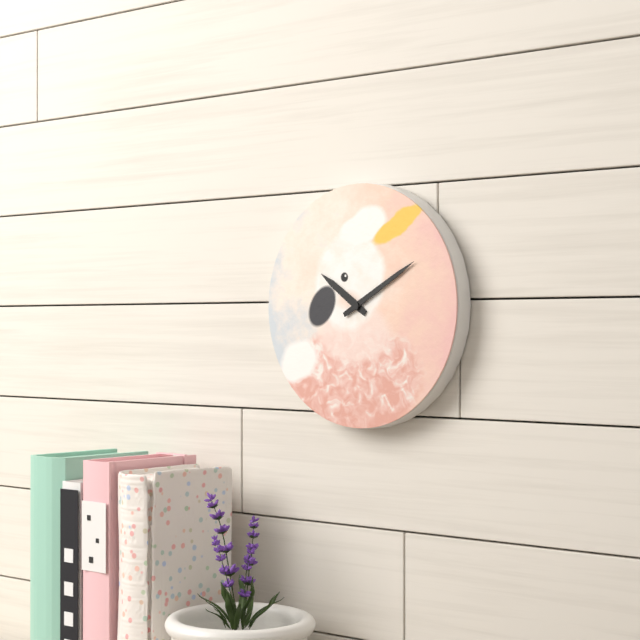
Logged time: {"hour": 10, "minute": 10}
